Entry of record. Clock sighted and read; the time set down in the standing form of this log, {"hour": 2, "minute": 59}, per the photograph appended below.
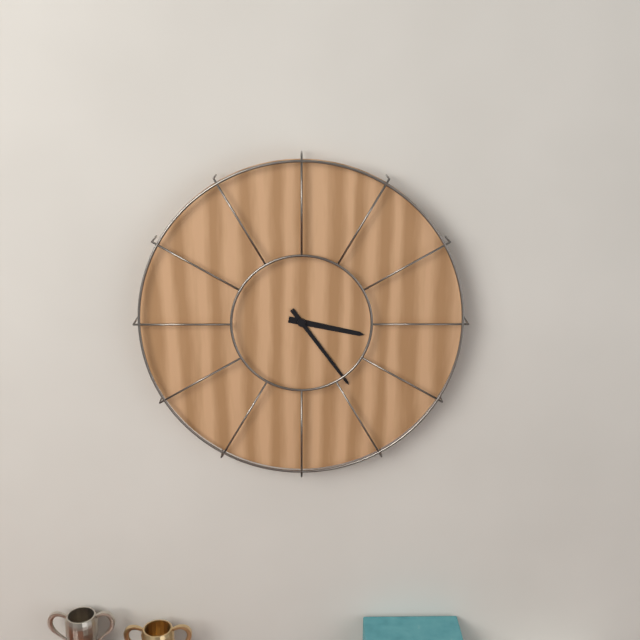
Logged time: {"hour": 3, "minute": 24}
